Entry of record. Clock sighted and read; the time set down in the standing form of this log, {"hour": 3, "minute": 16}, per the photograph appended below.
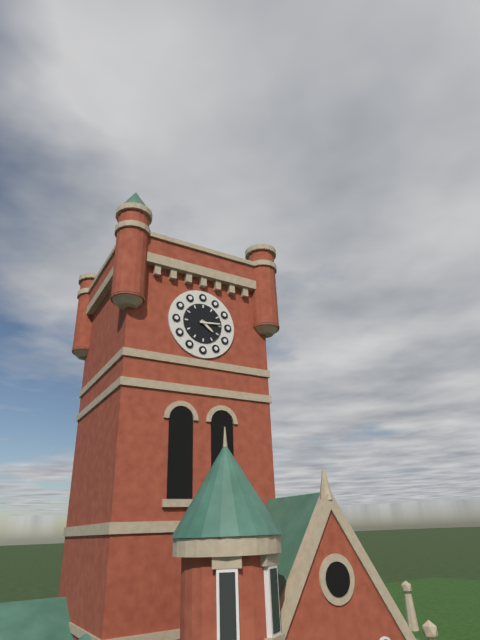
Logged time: {"hour": 4, "minute": 14}
